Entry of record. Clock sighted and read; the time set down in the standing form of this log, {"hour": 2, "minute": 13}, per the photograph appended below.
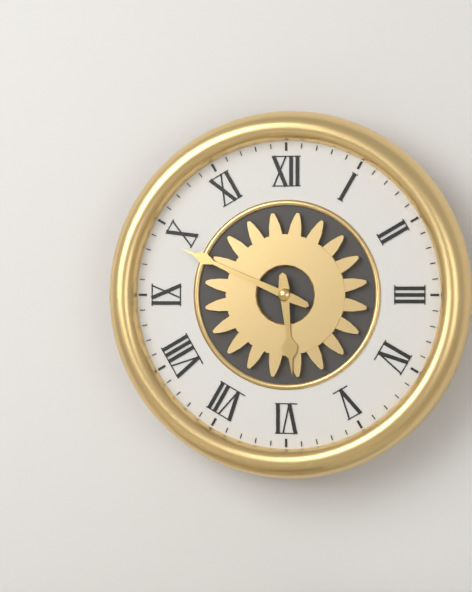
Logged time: {"hour": 5, "minute": 49}
